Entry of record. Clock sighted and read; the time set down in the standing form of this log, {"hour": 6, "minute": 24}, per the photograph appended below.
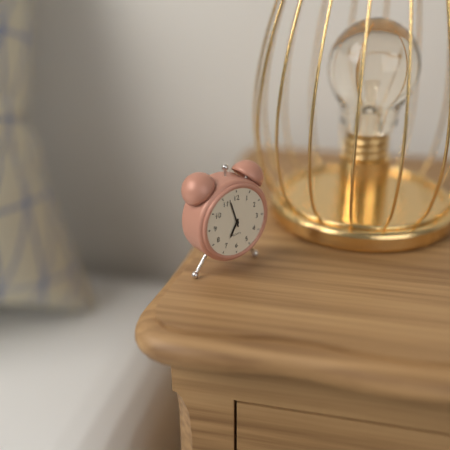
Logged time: {"hour": 6, "minute": 57}
